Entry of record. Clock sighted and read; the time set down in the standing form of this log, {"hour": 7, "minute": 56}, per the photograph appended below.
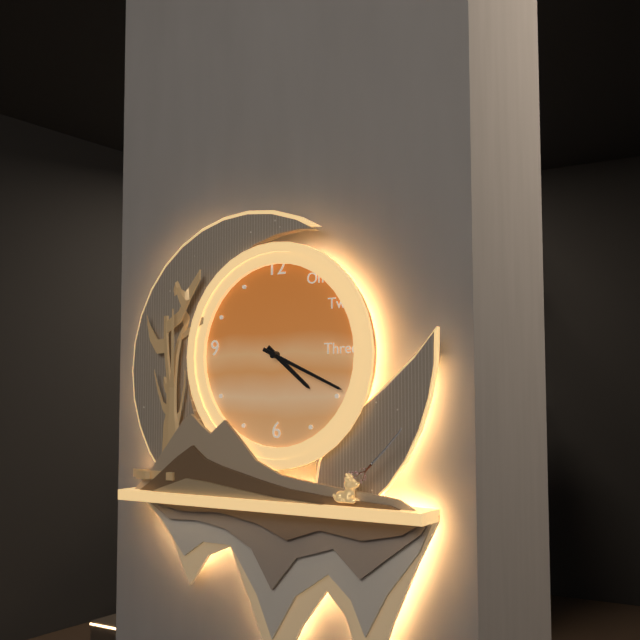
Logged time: {"hour": 4, "minute": 19}
